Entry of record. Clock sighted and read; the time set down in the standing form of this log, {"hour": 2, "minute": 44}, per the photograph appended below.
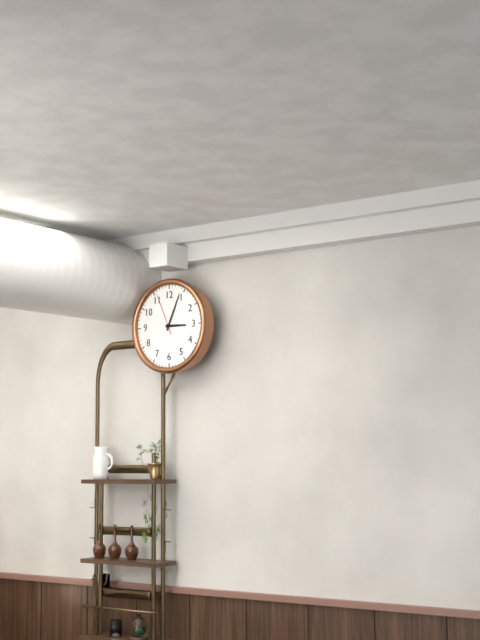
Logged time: {"hour": 3, "minute": 4}
